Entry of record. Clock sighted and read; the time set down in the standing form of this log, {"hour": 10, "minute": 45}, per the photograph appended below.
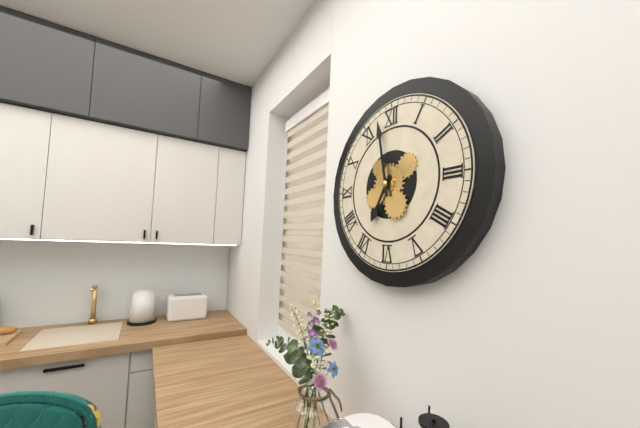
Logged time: {"hour": 6, "minute": 58}
